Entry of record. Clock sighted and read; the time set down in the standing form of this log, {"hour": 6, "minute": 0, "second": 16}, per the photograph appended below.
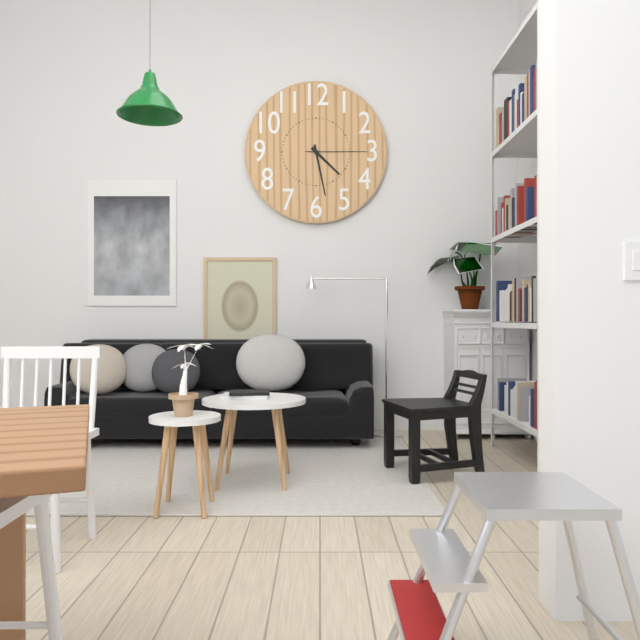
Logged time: {"hour": 4, "minute": 28, "second": 15}
